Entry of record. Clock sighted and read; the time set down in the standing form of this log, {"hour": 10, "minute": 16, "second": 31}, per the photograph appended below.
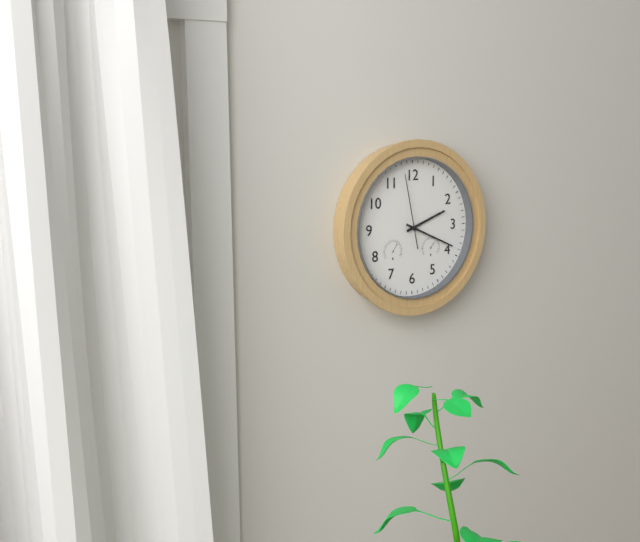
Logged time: {"hour": 2, "minute": 19, "second": 58}
